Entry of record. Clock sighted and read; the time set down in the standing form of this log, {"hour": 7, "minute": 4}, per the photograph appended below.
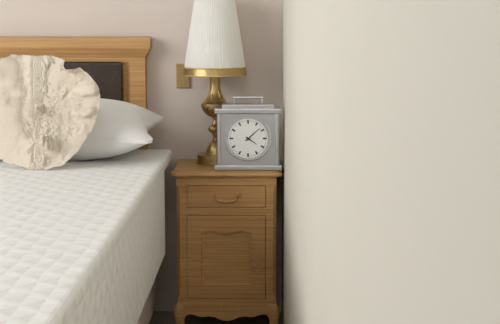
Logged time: {"hour": 4, "minute": 8}
